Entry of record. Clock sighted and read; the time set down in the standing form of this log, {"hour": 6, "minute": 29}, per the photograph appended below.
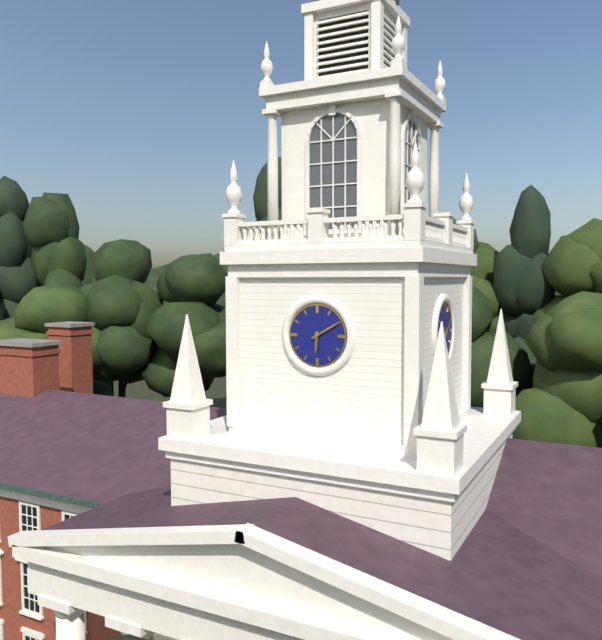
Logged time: {"hour": 6, "minute": 10}
